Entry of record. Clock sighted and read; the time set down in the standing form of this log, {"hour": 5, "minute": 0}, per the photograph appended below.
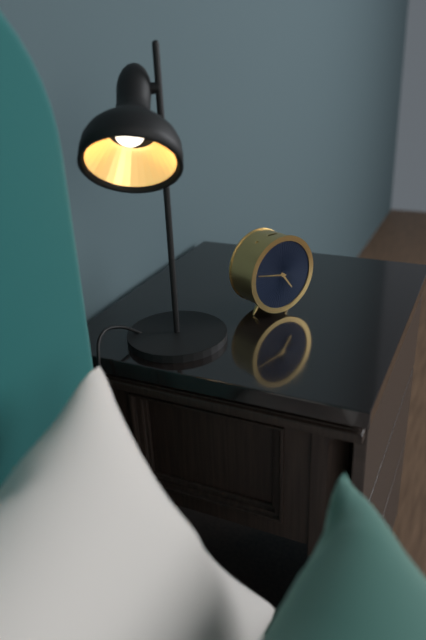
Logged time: {"hour": 4, "minute": 47}
